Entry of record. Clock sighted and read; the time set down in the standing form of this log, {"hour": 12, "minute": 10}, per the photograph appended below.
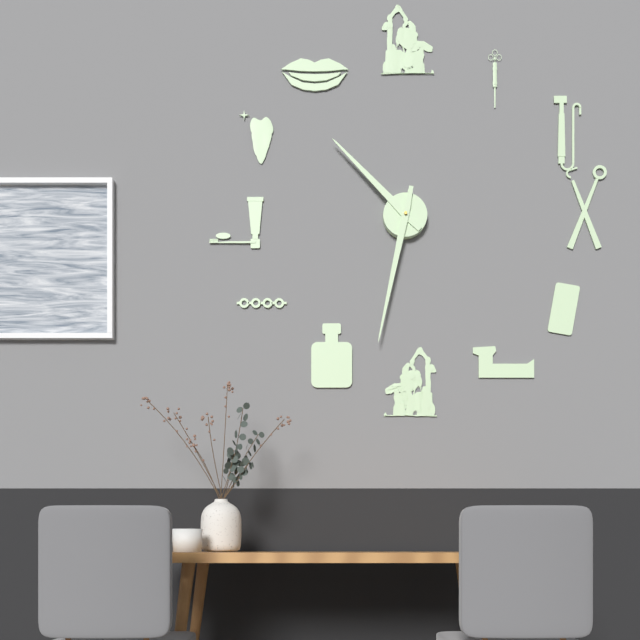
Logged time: {"hour": 10, "minute": 32}
